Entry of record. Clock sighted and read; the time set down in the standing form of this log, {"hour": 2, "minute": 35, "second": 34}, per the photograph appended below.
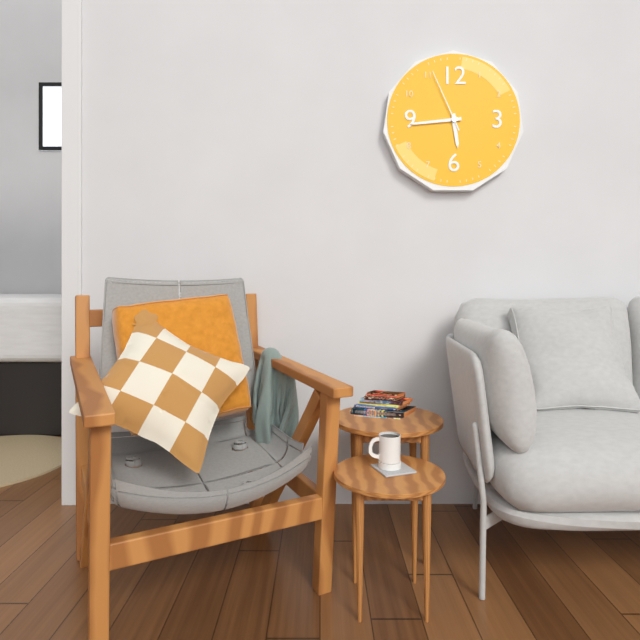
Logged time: {"hour": 5, "minute": 44, "second": 56}
